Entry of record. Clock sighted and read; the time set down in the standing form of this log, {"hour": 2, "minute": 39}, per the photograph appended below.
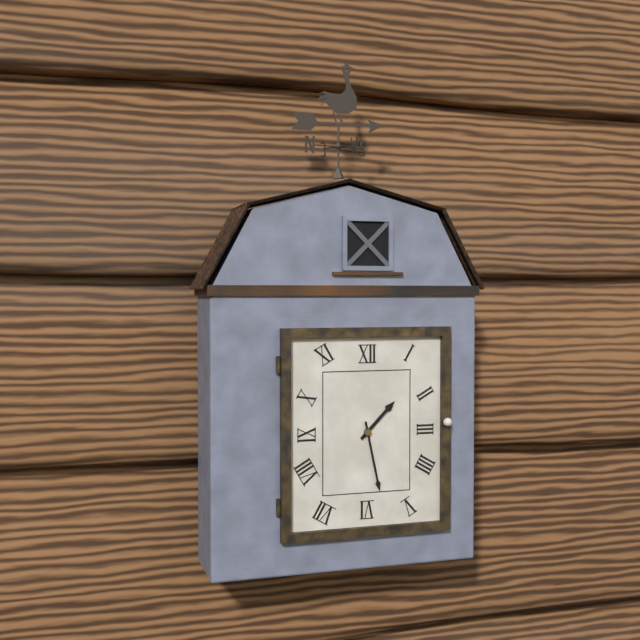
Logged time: {"hour": 1, "minute": 28}
